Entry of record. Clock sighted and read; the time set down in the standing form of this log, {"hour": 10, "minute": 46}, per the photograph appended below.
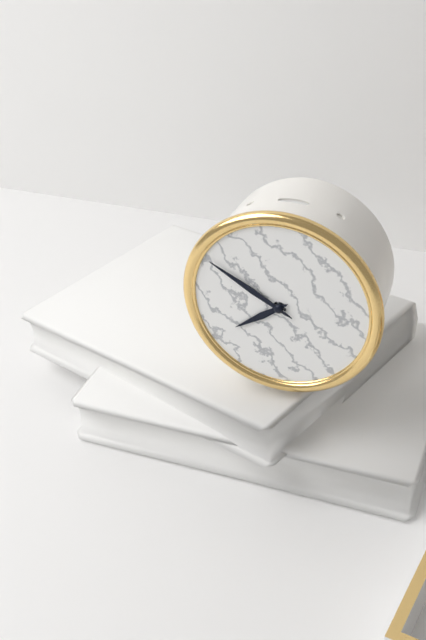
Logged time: {"hour": 7, "minute": 50}
